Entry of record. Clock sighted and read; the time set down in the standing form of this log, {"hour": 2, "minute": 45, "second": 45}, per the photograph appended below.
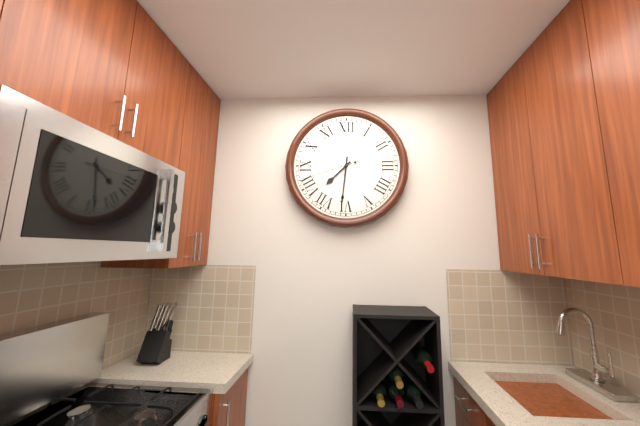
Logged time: {"hour": 7, "minute": 31, "second": 42}
